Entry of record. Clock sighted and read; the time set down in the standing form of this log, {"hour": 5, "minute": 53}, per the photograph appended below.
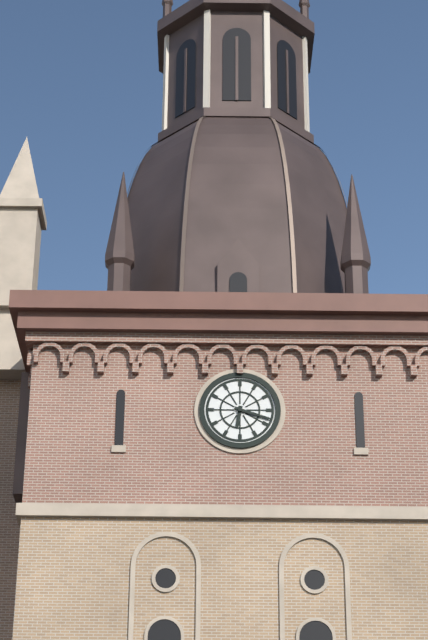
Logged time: {"hour": 6, "minute": 18}
